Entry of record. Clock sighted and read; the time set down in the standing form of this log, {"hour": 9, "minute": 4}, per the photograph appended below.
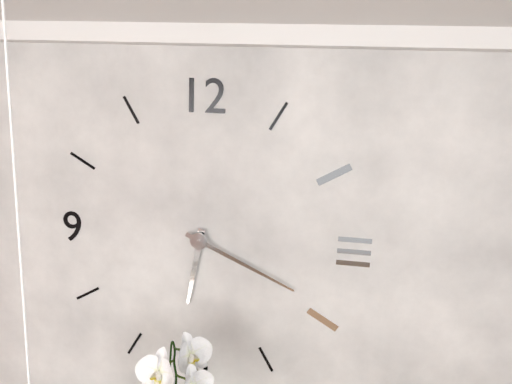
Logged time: {"hour": 6, "minute": 19}
